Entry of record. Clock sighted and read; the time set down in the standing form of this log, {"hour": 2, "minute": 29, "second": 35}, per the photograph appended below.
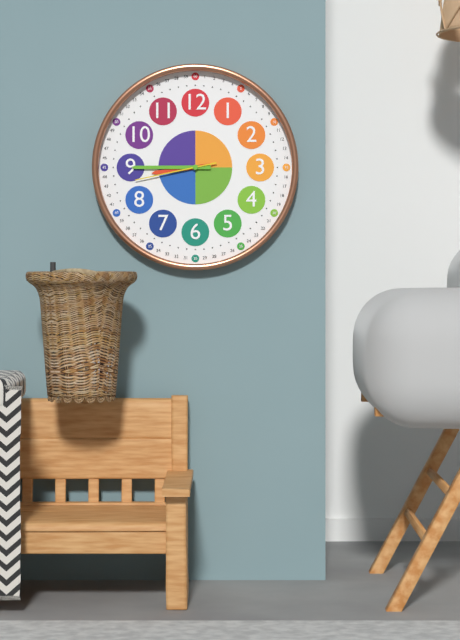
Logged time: {"hour": 8, "minute": 45, "second": 43}
